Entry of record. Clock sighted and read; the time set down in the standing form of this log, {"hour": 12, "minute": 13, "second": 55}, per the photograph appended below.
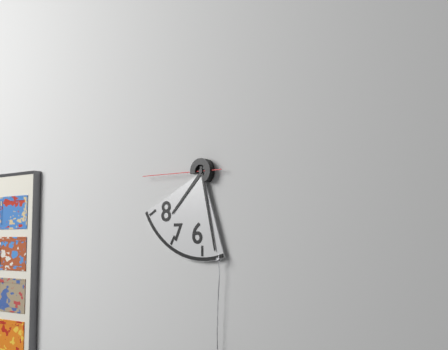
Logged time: {"hour": 7, "minute": 28, "second": 45}
